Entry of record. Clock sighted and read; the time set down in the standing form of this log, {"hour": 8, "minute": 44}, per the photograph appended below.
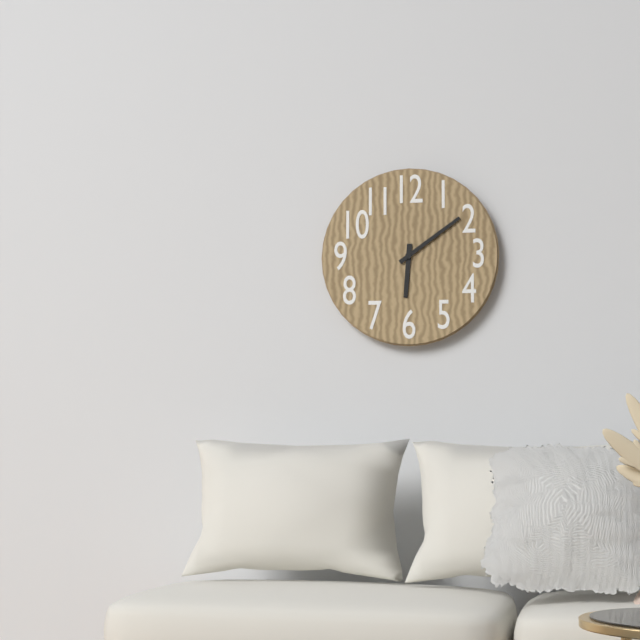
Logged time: {"hour": 6, "minute": 9}
